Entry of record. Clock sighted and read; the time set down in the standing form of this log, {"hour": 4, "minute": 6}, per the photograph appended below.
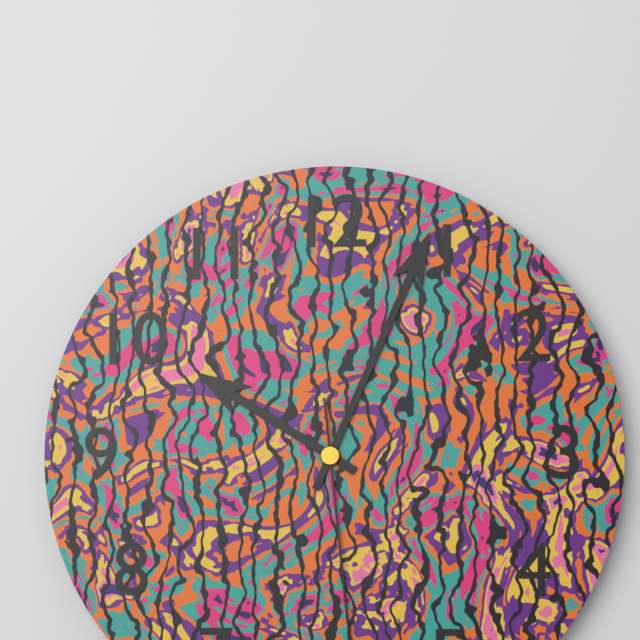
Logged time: {"hour": 10, "minute": 4}
